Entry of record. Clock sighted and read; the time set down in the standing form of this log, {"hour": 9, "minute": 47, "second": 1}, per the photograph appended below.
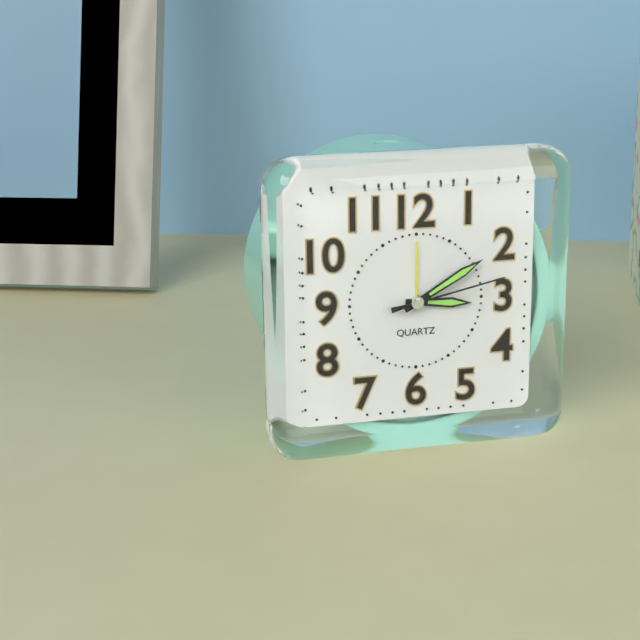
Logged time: {"hour": 3, "minute": 10, "second": 13}
